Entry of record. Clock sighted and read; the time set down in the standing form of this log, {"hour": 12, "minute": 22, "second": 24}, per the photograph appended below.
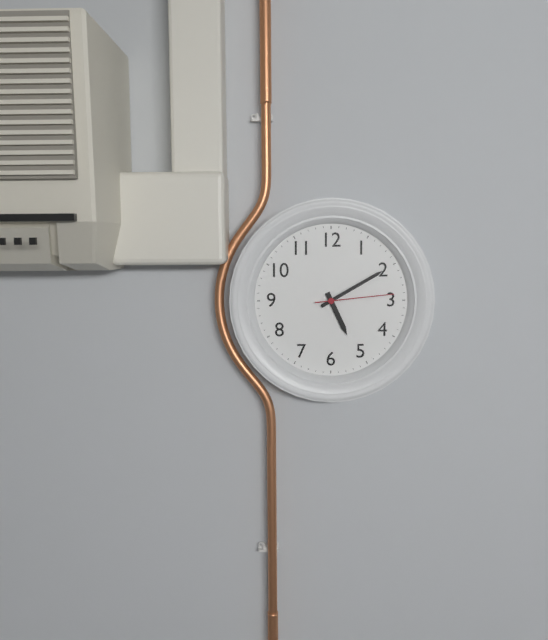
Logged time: {"hour": 5, "minute": 10, "second": 14}
